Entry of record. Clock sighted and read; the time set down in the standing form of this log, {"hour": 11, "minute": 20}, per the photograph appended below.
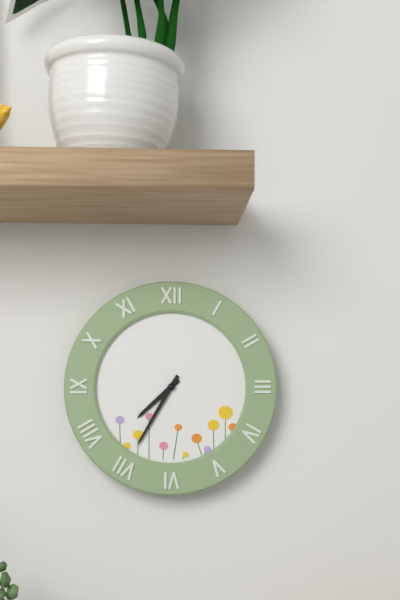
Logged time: {"hour": 7, "minute": 35}
